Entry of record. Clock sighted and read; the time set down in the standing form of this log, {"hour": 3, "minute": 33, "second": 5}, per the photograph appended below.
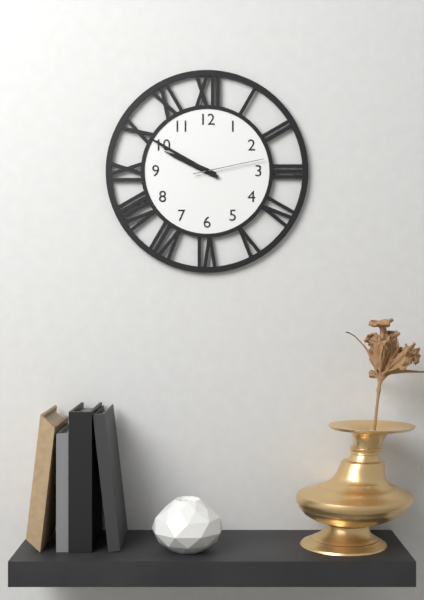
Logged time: {"hour": 9, "minute": 50, "second": 13}
